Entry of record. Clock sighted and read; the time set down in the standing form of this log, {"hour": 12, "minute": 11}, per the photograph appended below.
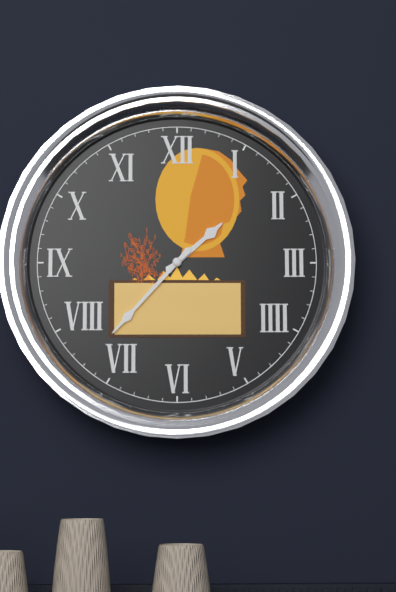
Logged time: {"hour": 1, "minute": 37}
